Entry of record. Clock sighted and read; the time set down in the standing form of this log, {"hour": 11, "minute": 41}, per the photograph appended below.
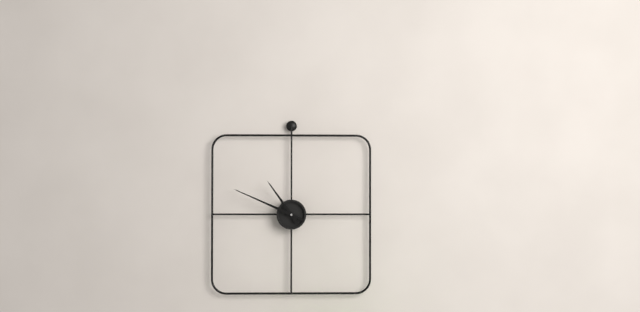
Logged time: {"hour": 10, "minute": 49}
